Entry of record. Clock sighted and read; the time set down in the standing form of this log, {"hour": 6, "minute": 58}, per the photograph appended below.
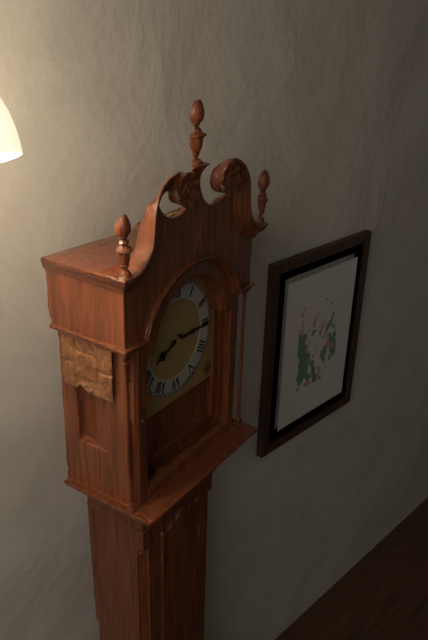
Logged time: {"hour": 8, "minute": 15}
